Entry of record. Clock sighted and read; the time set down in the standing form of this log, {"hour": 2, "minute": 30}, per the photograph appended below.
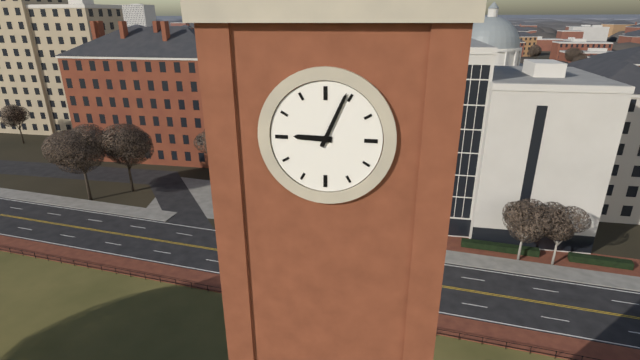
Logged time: {"hour": 9, "minute": 4}
